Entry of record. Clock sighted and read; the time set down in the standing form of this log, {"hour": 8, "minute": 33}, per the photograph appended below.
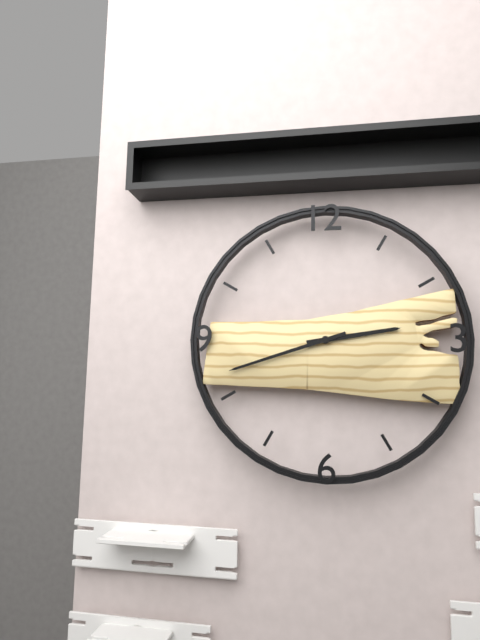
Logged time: {"hour": 2, "minute": 42}
